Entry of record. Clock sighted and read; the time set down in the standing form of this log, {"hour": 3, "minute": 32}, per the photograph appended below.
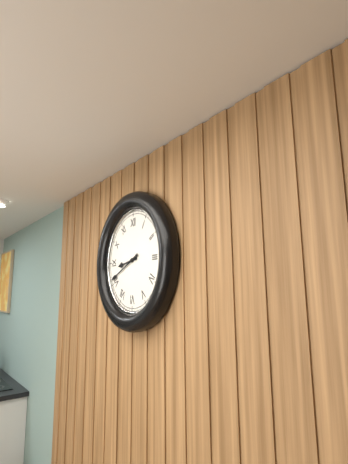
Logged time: {"hour": 8, "minute": 41}
